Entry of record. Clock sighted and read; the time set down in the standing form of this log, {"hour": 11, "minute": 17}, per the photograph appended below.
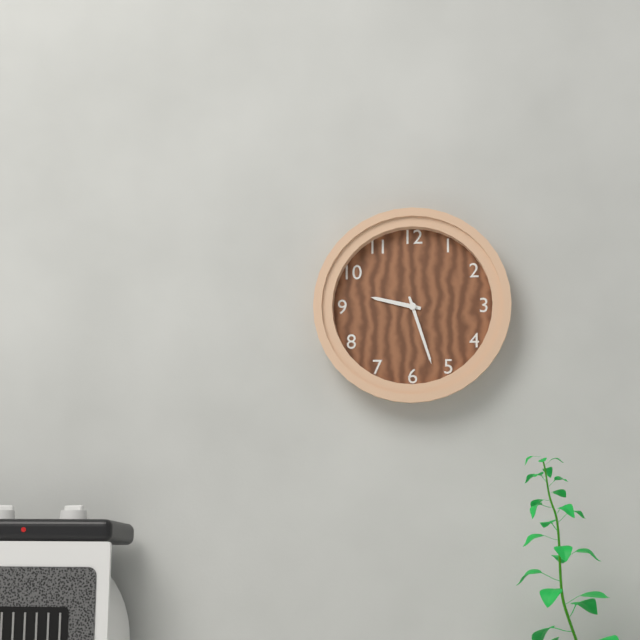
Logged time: {"hour": 9, "minute": 27}
